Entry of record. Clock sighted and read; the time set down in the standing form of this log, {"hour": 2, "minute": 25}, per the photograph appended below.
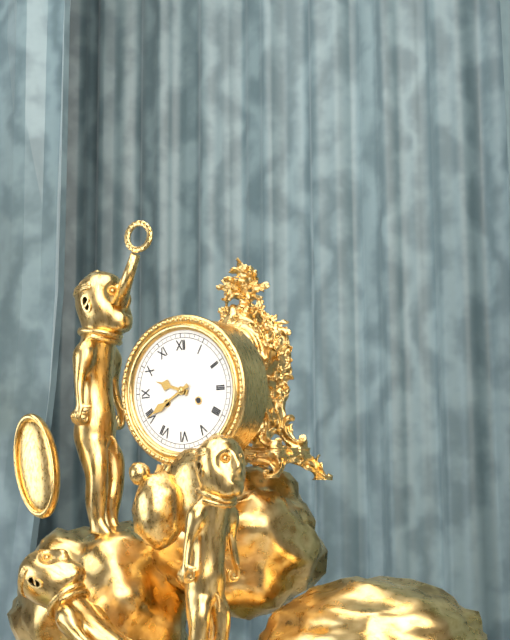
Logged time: {"hour": 9, "minute": 40}
